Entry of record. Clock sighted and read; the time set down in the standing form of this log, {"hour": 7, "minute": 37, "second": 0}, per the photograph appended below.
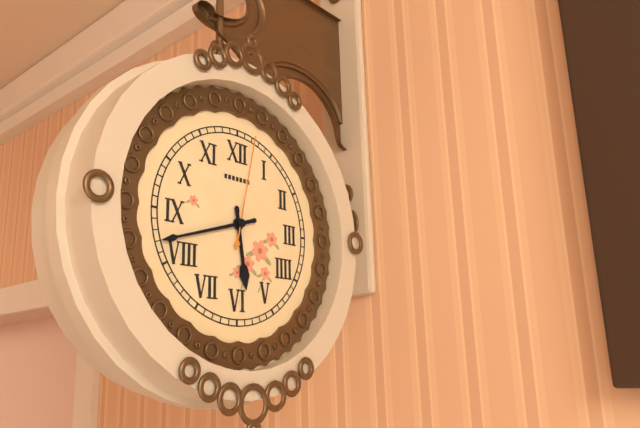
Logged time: {"hour": 5, "minute": 42, "second": 2}
